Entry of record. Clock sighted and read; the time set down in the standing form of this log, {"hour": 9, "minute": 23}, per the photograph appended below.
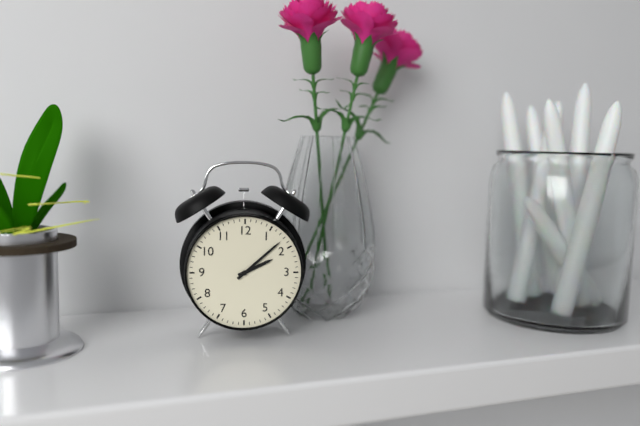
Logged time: {"hour": 2, "minute": 8}
